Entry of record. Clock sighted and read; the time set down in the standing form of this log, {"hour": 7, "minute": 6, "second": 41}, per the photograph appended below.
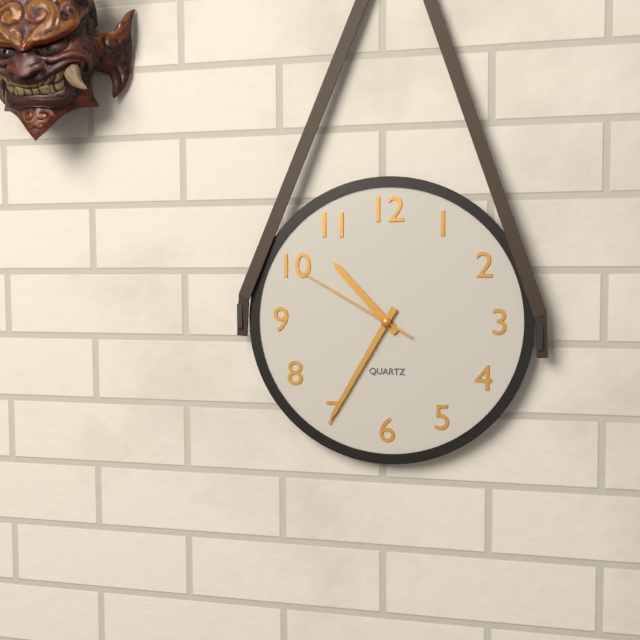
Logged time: {"hour": 10, "minute": 35, "second": 50}
